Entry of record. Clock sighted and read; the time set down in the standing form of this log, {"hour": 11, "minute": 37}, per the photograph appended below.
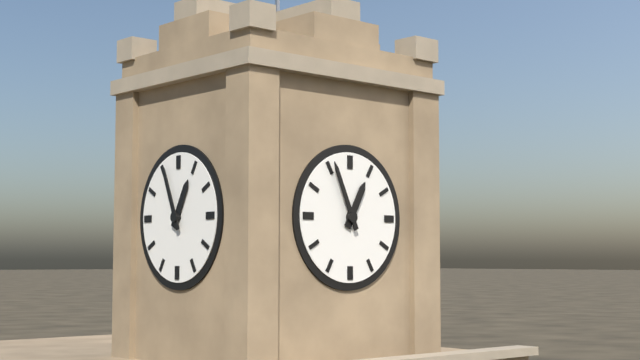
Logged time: {"hour": 12, "minute": 56}
